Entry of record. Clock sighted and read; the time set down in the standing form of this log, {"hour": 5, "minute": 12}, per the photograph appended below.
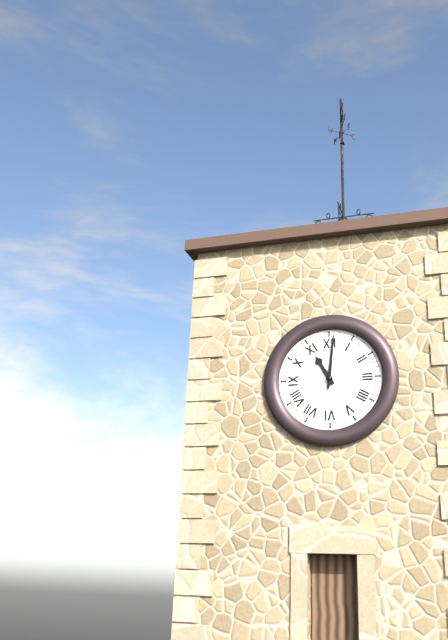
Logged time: {"hour": 11, "minute": 1}
